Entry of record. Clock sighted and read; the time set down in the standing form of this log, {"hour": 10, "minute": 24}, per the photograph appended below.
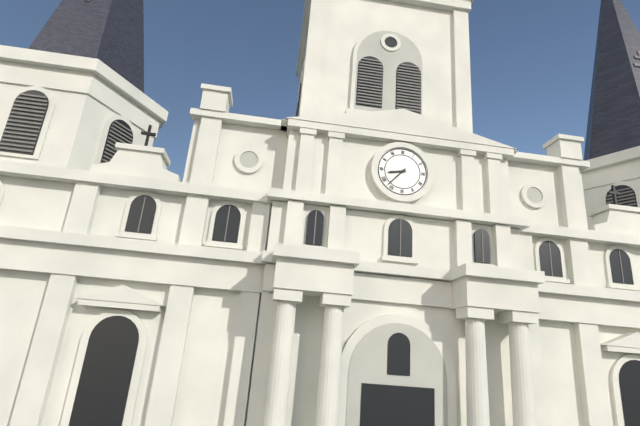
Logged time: {"hour": 8, "minute": 37}
